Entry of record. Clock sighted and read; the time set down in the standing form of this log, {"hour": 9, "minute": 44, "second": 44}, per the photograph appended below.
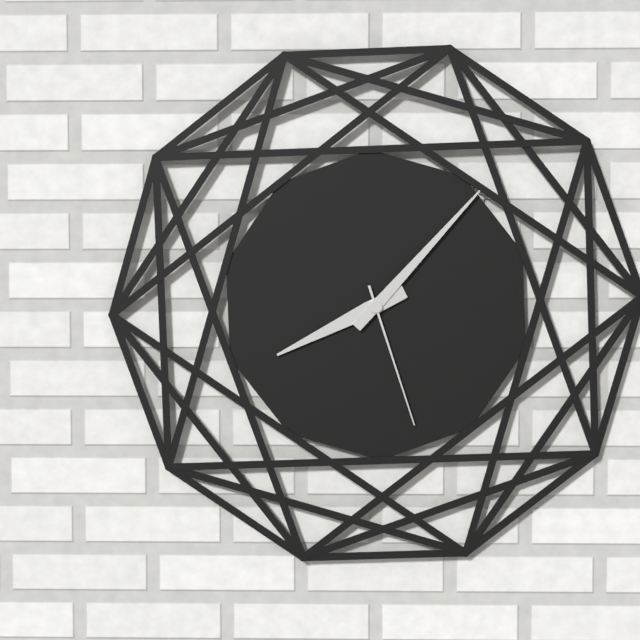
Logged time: {"hour": 8, "minute": 7, "second": 27}
